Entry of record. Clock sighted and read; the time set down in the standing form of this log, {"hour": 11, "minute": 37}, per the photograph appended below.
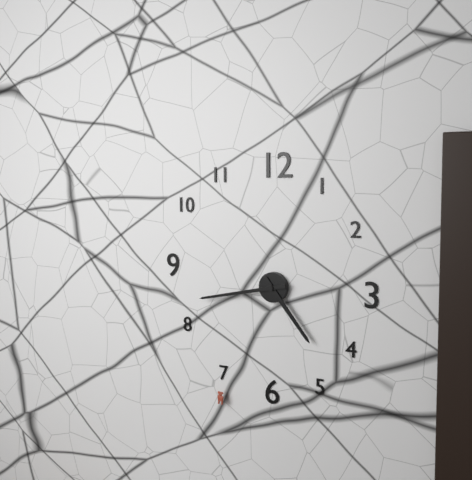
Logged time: {"hour": 4, "minute": 43}
